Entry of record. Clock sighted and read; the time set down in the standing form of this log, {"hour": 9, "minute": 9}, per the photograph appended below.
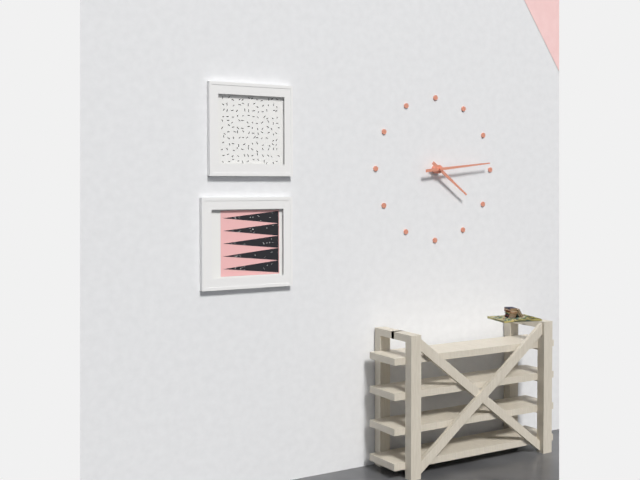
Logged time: {"hour": 4, "minute": 14}
